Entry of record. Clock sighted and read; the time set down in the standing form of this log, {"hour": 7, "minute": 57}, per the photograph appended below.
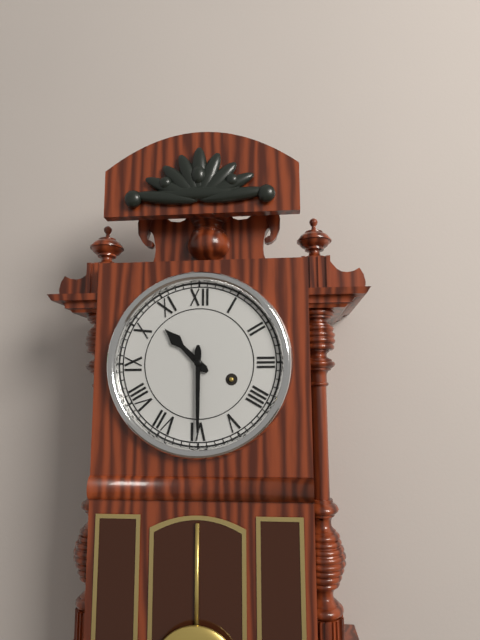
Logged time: {"hour": 10, "minute": 30}
